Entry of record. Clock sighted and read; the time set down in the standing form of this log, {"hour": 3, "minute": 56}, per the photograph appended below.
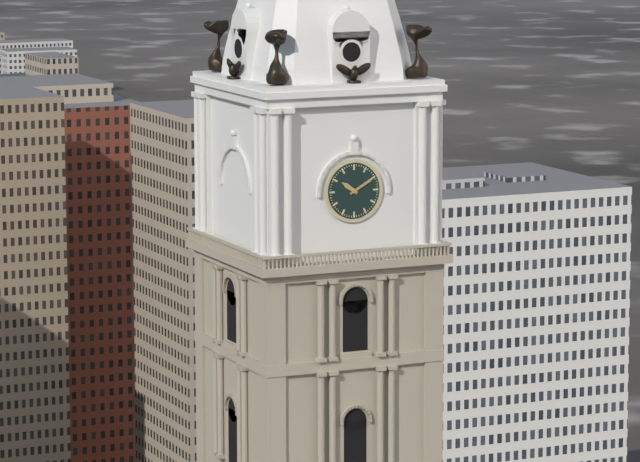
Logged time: {"hour": 10, "minute": 10}
